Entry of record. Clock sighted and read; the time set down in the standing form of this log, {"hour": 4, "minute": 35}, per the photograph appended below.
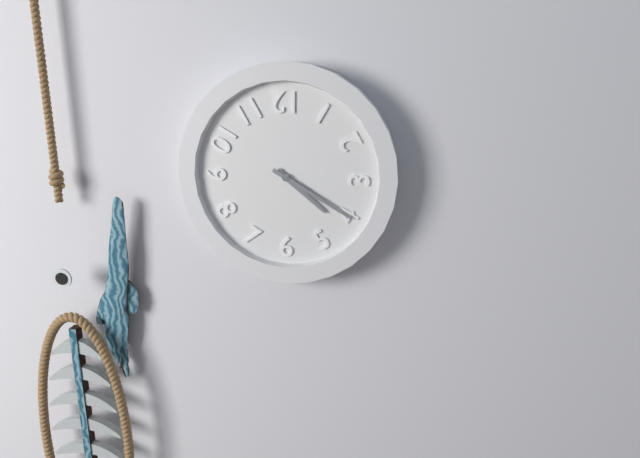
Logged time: {"hour": 4, "minute": 20}
